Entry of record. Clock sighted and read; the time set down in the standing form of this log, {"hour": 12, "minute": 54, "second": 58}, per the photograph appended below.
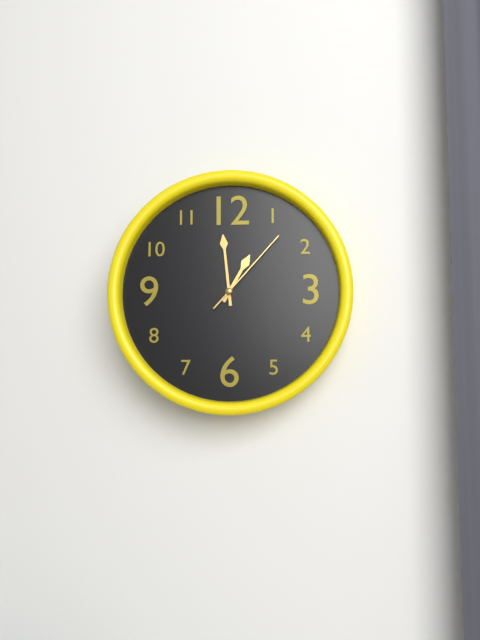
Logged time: {"hour": 12, "minute": 59, "second": 7}
